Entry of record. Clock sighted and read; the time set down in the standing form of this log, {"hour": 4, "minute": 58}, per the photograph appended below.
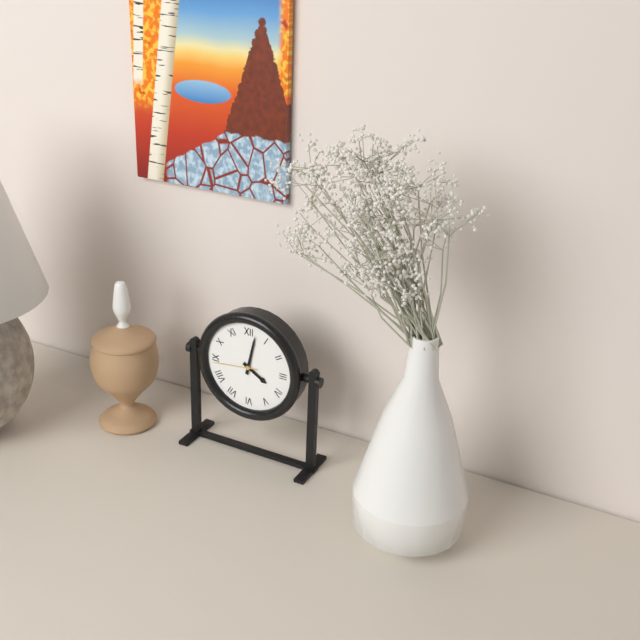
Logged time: {"hour": 4, "minute": 2}
